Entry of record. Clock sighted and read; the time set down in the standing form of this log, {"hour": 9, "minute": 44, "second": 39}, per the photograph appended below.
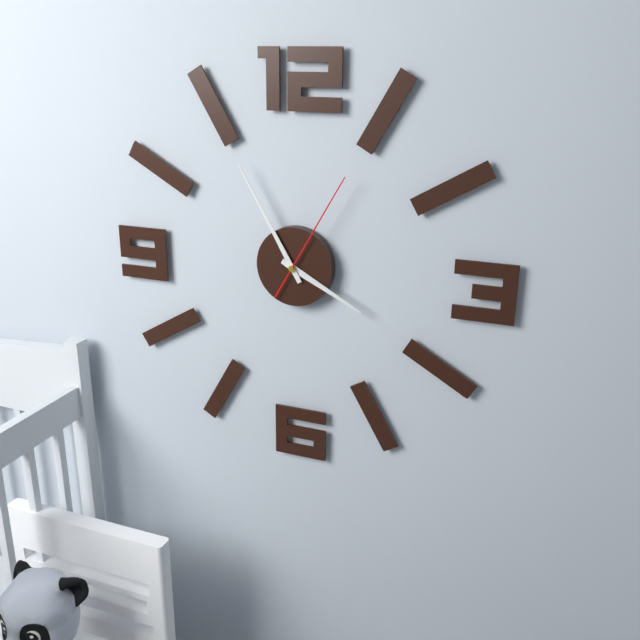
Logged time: {"hour": 3, "minute": 55, "second": 5}
